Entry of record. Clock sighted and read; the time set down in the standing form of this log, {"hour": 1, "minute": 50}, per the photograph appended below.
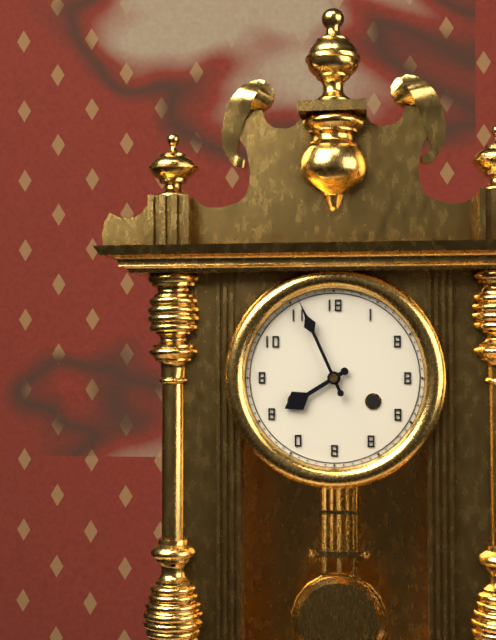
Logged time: {"hour": 7, "minute": 56}
